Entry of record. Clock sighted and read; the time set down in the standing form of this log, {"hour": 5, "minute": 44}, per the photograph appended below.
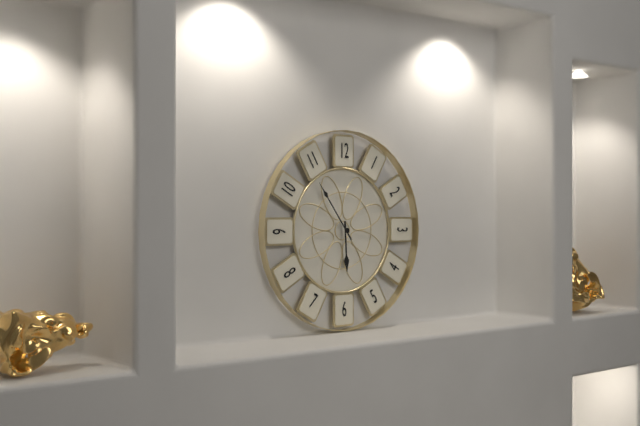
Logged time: {"hour": 5, "minute": 54}
